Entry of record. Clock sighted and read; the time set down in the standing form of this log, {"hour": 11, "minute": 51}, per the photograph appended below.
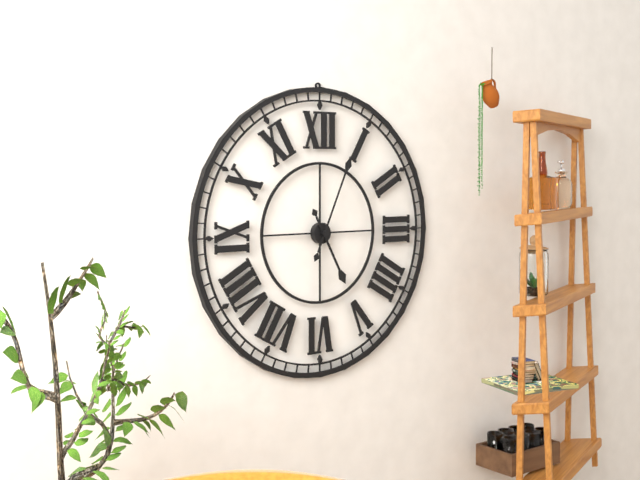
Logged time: {"hour": 5, "minute": 4}
